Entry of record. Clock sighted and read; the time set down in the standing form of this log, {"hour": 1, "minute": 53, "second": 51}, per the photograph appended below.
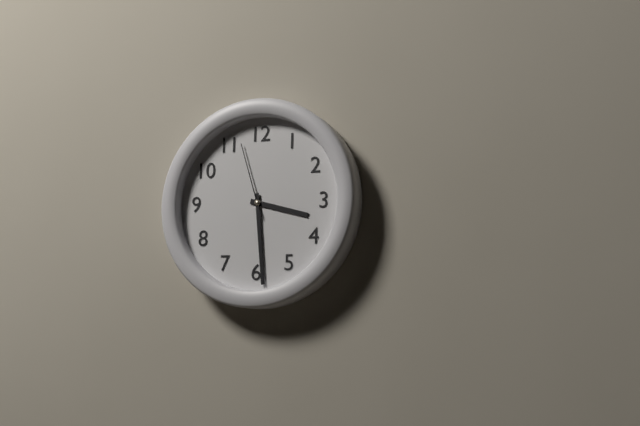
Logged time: {"hour": 3, "minute": 29, "second": 57}
